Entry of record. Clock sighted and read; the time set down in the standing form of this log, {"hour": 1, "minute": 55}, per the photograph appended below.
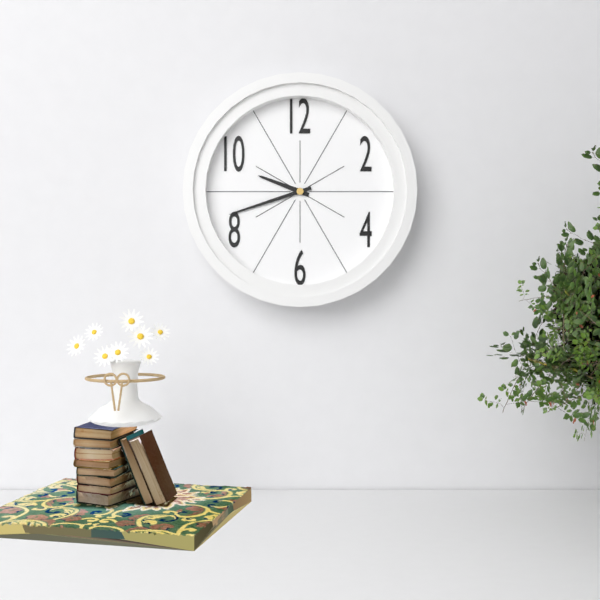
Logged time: {"hour": 9, "minute": 42}
